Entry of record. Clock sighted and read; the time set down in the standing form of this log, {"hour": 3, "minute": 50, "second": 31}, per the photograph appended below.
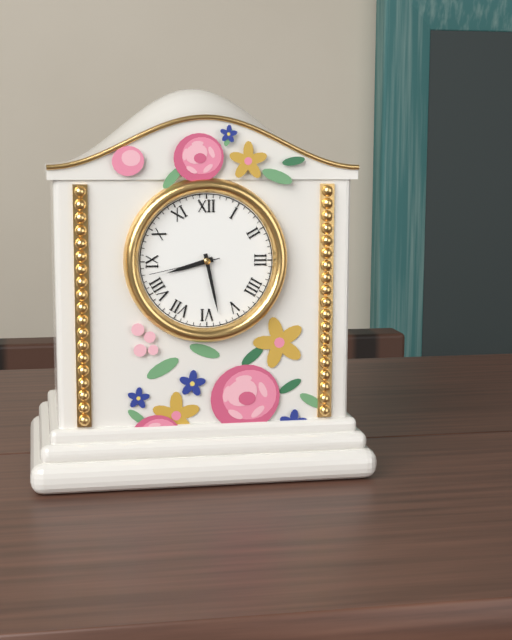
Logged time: {"hour": 8, "minute": 28, "second": 43}
